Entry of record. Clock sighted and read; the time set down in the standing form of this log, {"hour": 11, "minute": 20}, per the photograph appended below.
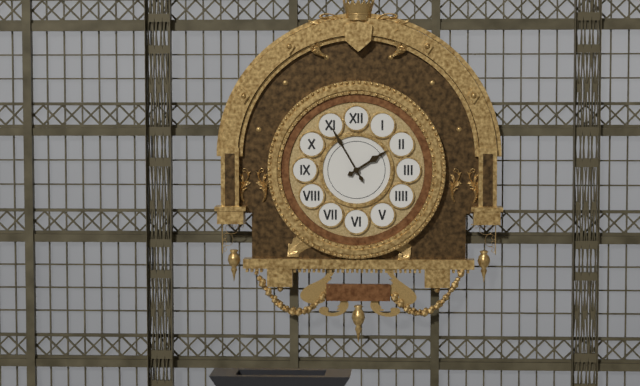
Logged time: {"hour": 1, "minute": 55}
